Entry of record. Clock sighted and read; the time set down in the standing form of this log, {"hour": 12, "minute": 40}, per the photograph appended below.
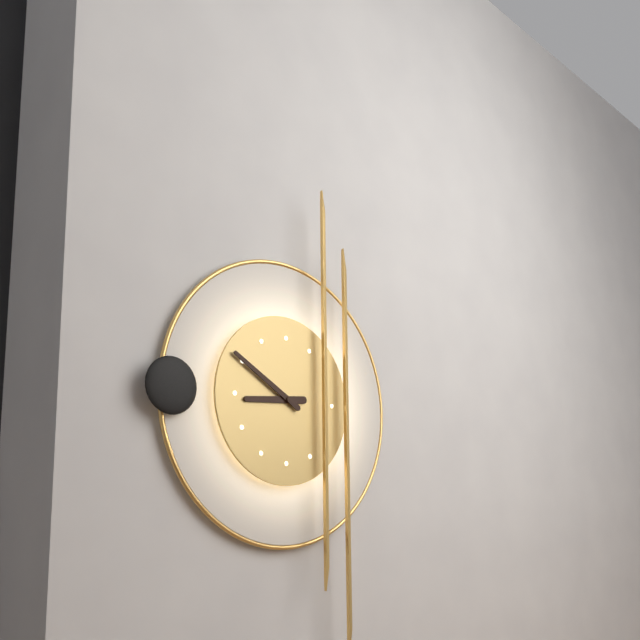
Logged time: {"hour": 8, "minute": 50}
